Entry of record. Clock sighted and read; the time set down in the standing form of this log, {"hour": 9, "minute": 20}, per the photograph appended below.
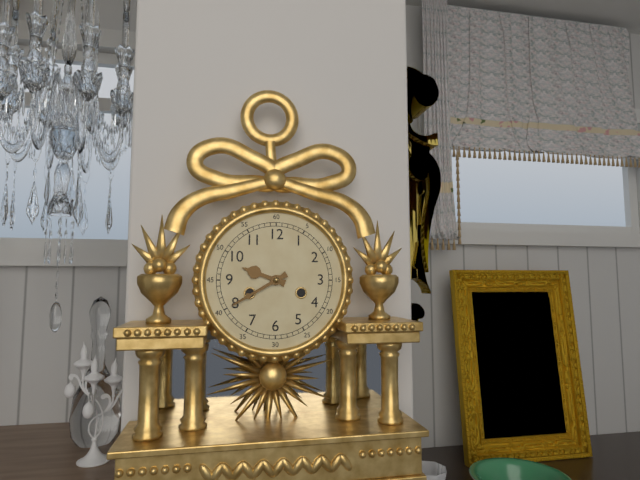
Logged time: {"hour": 9, "minute": 40}
